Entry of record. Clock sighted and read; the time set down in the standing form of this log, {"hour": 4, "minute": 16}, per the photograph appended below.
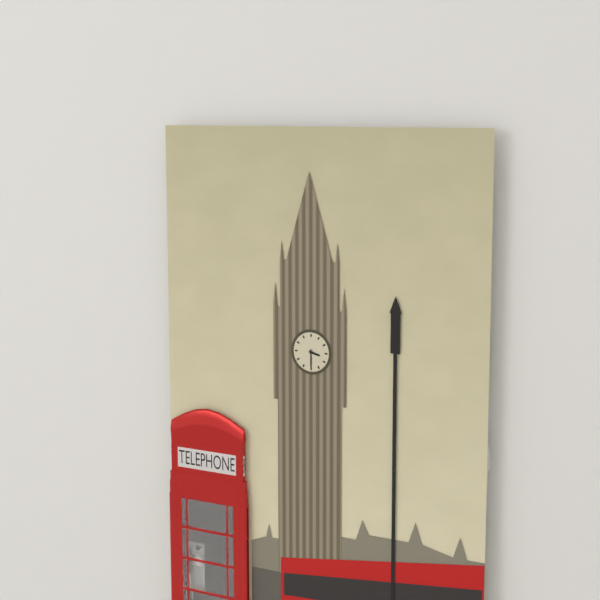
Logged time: {"hour": 3, "minute": 30}
